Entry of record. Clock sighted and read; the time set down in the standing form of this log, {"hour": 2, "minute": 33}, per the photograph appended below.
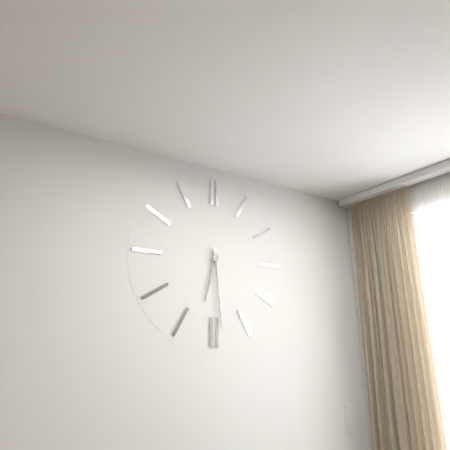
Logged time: {"hour": 6, "minute": 29}
